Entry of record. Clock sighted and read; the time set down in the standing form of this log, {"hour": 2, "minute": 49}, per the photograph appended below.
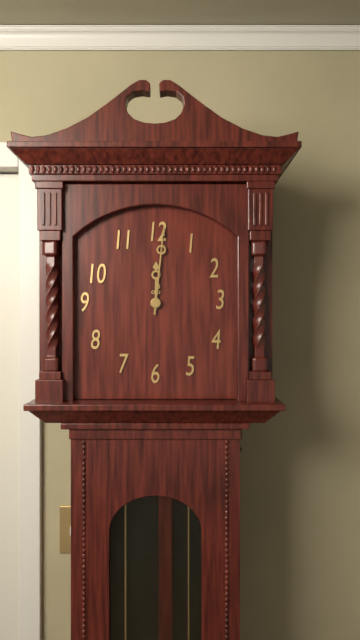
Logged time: {"hour": 12, "minute": 1}
